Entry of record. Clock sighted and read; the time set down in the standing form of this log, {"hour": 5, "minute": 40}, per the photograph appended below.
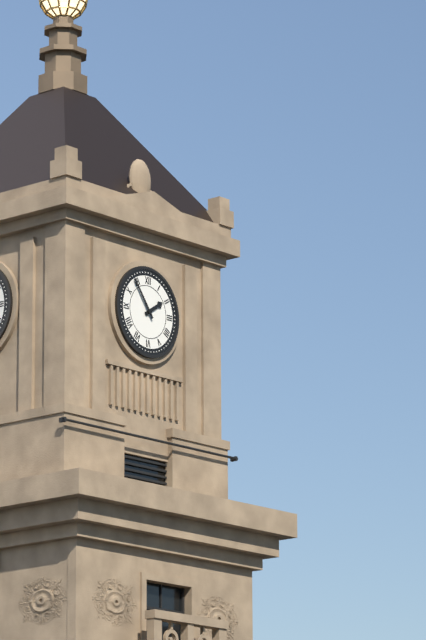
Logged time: {"hour": 1, "minute": 54}
